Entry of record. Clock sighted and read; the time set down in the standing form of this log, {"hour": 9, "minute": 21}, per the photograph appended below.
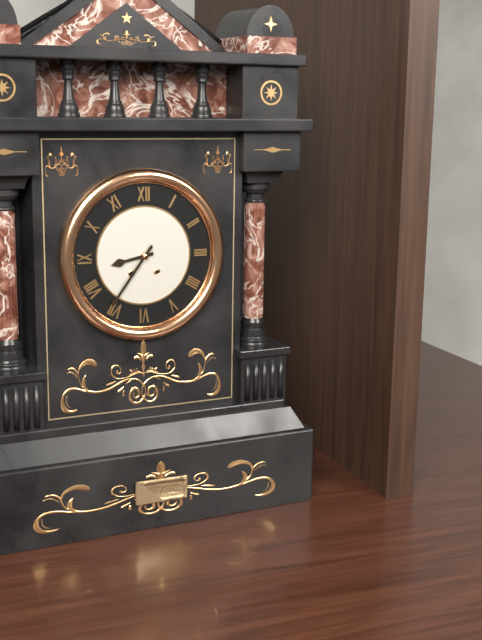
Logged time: {"hour": 8, "minute": 36}
